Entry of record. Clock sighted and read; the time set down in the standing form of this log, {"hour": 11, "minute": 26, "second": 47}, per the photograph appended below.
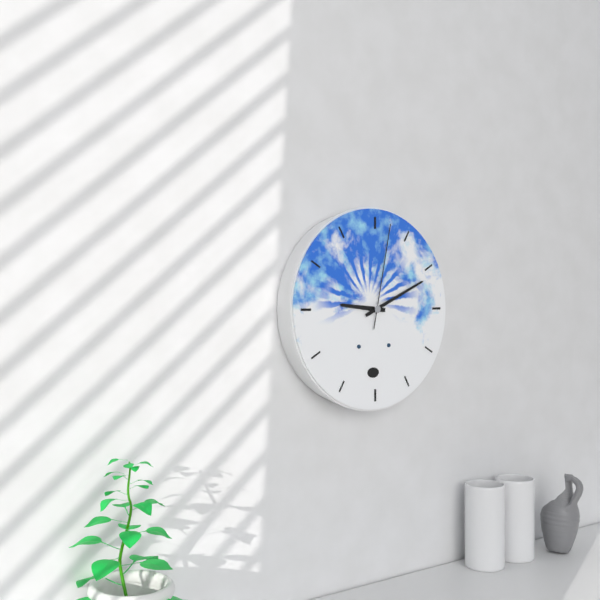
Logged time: {"hour": 9, "minute": 11, "second": 2}
